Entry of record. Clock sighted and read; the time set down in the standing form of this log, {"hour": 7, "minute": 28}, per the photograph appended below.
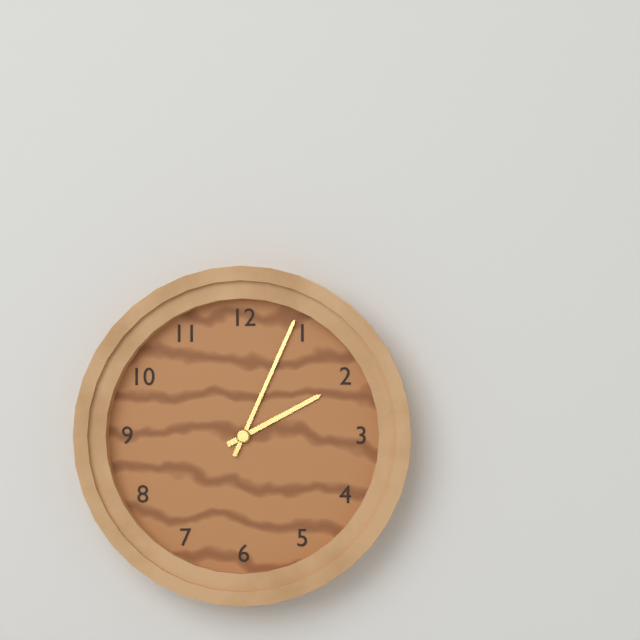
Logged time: {"hour": 2, "minute": 4}
